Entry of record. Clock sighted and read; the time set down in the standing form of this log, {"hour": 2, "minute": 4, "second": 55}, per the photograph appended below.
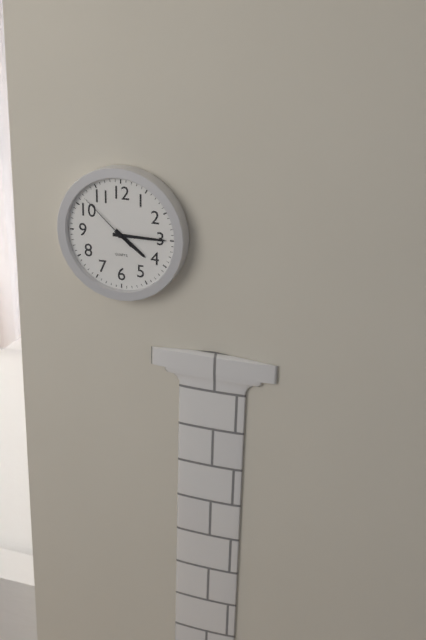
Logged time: {"hour": 4, "minute": 15, "second": 52}
